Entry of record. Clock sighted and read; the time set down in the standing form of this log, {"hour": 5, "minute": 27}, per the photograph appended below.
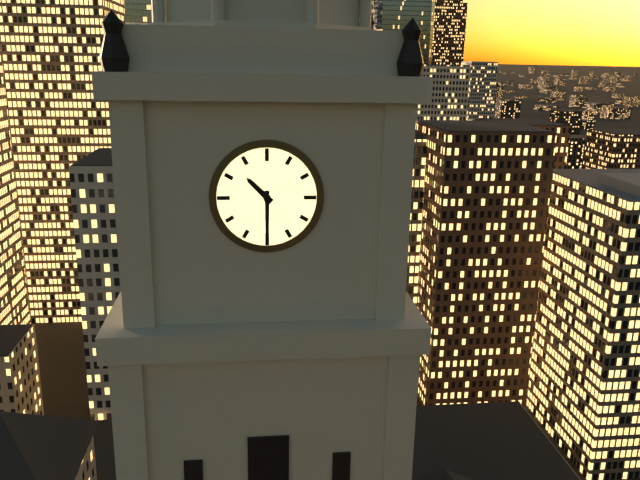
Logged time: {"hour": 10, "minute": 30}
